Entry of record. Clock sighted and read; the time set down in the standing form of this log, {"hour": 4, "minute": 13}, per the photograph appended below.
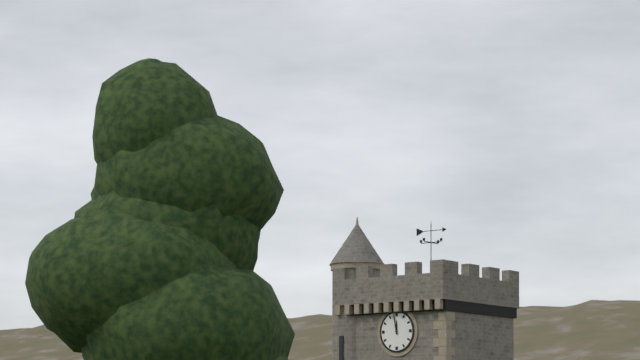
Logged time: {"hour": 11, "minute": 58}
